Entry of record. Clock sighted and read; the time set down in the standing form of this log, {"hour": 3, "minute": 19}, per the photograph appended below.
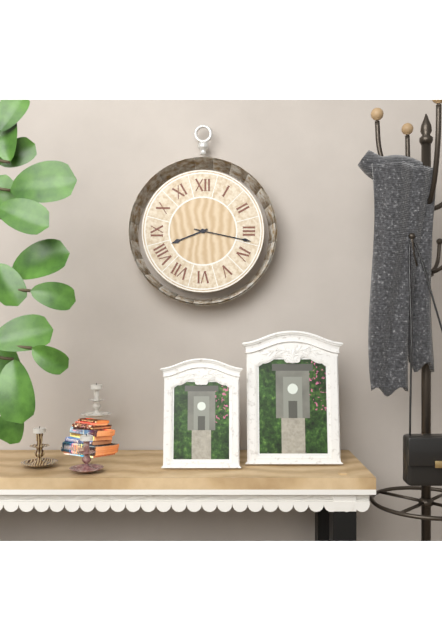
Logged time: {"hour": 8, "minute": 17}
